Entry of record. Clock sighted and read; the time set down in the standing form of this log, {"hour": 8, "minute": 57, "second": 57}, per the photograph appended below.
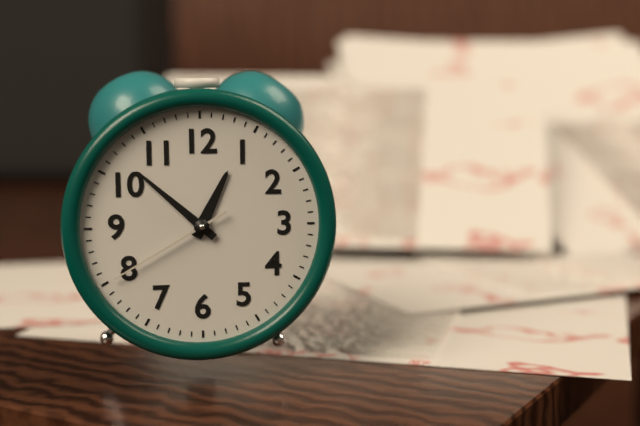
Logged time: {"hour": 12, "minute": 52, "second": 40}
